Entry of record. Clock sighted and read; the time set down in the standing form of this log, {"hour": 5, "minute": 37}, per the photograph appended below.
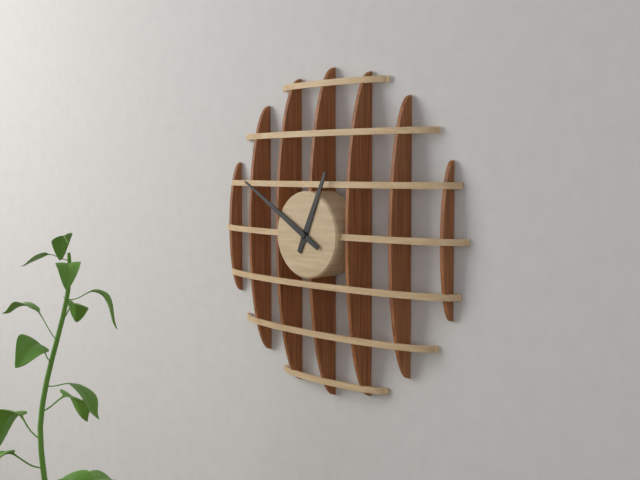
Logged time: {"hour": 12, "minute": 50}
